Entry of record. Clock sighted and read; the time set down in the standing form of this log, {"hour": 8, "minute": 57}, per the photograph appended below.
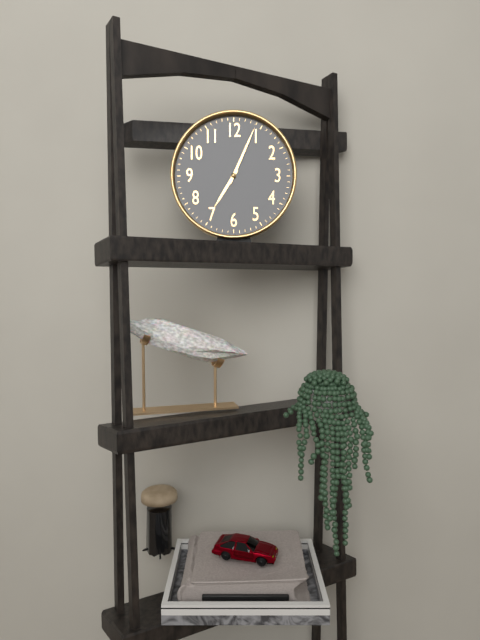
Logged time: {"hour": 7, "minute": 4}
